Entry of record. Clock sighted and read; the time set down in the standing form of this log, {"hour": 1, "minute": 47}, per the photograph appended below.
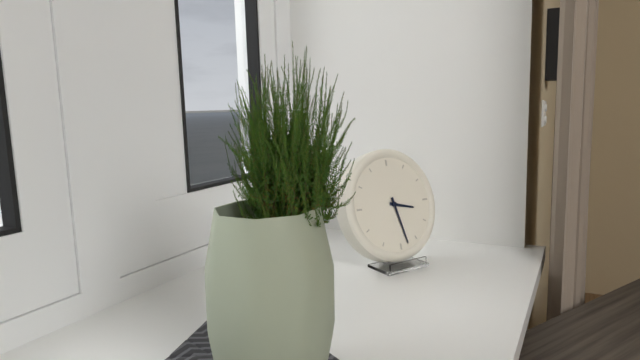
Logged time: {"hour": 3, "minute": 28}
